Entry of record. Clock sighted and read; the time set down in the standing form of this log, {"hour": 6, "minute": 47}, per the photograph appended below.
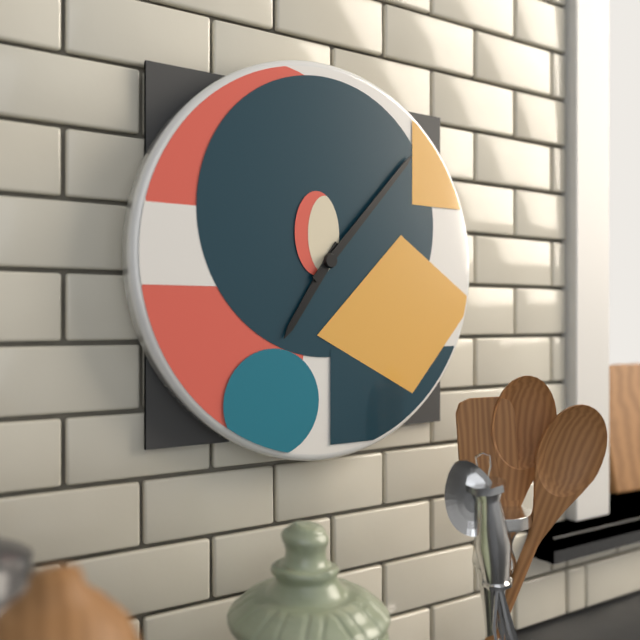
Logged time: {"hour": 7, "minute": 7}
